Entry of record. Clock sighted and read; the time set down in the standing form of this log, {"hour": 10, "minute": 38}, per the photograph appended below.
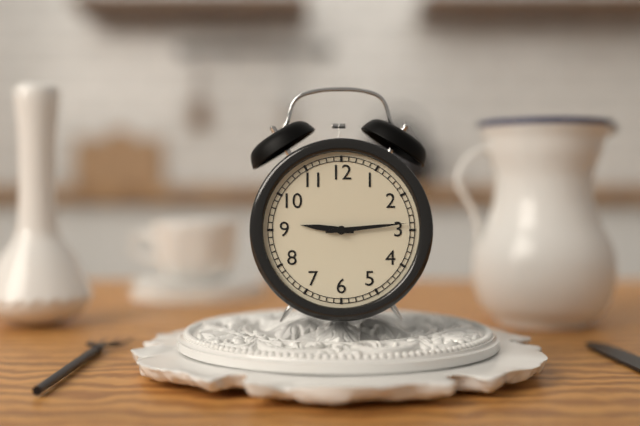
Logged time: {"hour": 9, "minute": 14}
